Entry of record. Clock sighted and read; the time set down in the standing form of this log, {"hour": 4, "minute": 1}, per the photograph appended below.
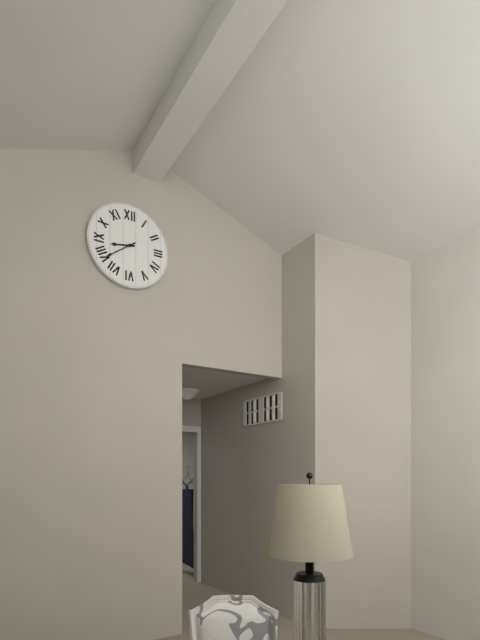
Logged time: {"hour": 8, "minute": 39}
